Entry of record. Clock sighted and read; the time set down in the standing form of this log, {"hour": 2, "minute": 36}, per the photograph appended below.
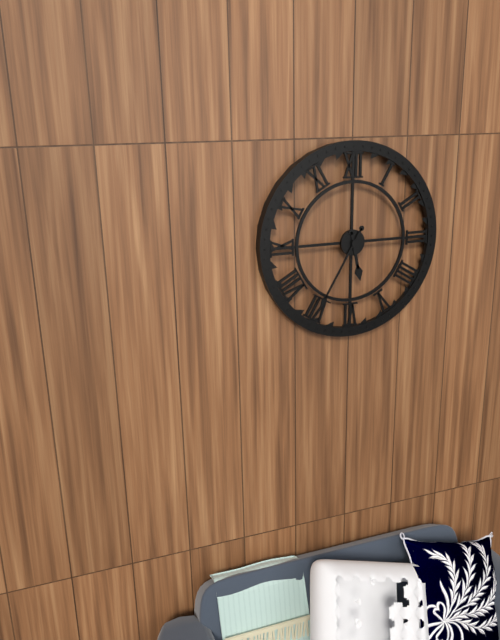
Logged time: {"hour": 5, "minute": 35}
